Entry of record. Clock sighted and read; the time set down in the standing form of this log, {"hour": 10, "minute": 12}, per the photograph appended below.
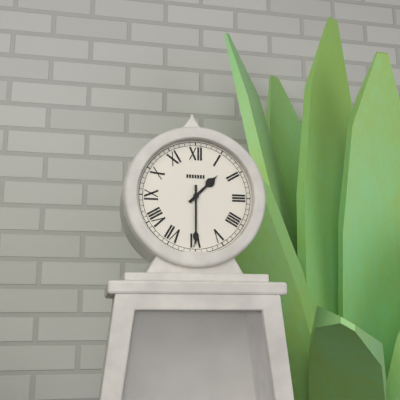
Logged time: {"hour": 1, "minute": 30}
